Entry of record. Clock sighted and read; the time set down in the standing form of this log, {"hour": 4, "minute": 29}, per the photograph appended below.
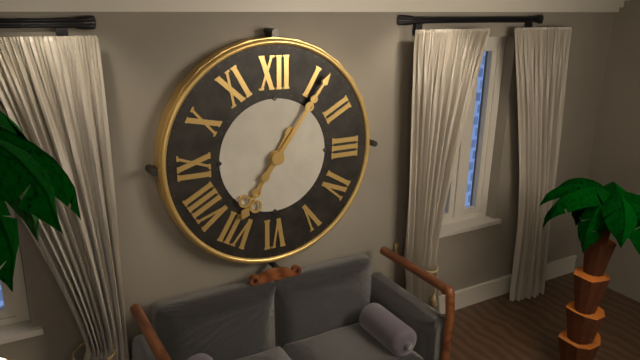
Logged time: {"hour": 7, "minute": 6}
